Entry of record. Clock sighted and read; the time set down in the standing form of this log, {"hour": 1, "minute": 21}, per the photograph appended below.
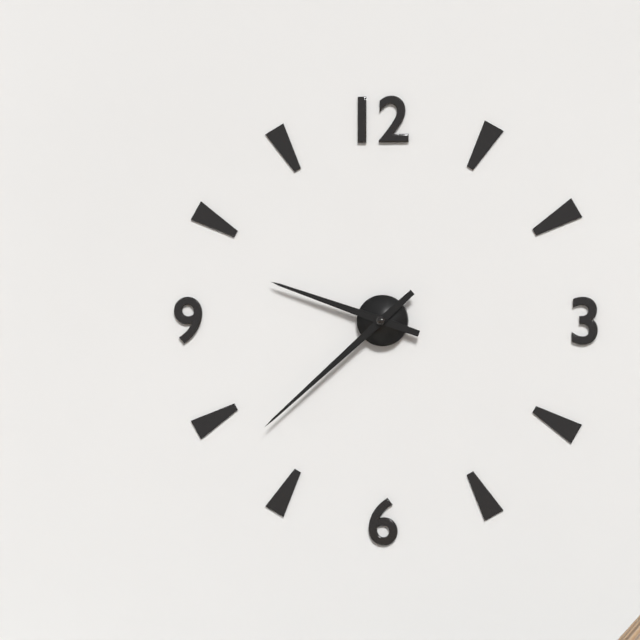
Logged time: {"hour": 9, "minute": 38}
